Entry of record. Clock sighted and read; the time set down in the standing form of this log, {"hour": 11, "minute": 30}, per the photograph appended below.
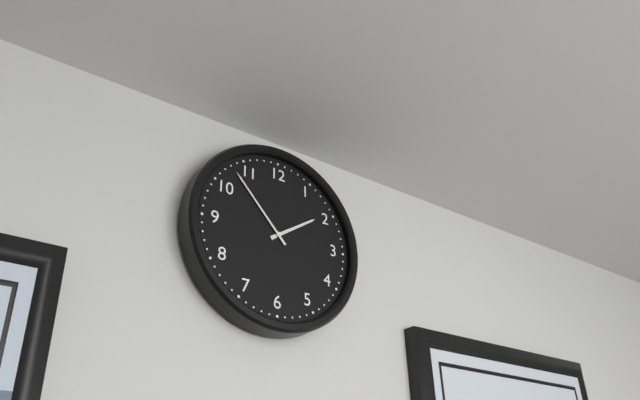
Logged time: {"hour": 1, "minute": 53}
